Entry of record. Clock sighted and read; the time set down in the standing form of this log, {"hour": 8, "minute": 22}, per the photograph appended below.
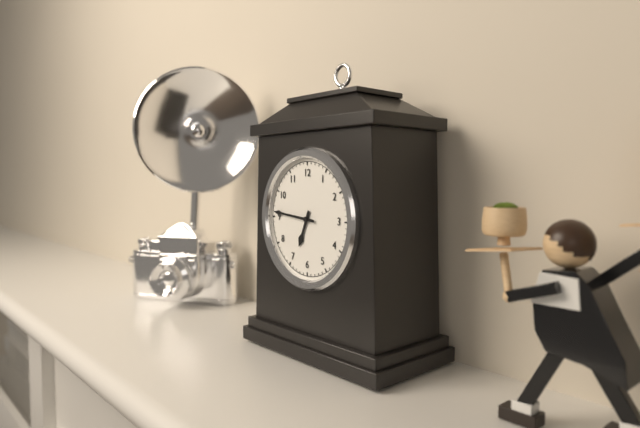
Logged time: {"hour": 6, "minute": 46}
